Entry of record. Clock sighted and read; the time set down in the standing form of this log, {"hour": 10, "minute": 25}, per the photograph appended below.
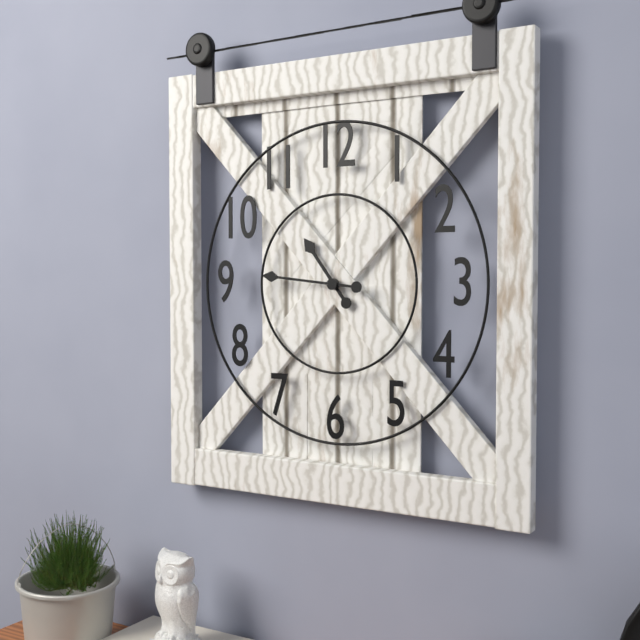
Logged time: {"hour": 10, "minute": 46}
